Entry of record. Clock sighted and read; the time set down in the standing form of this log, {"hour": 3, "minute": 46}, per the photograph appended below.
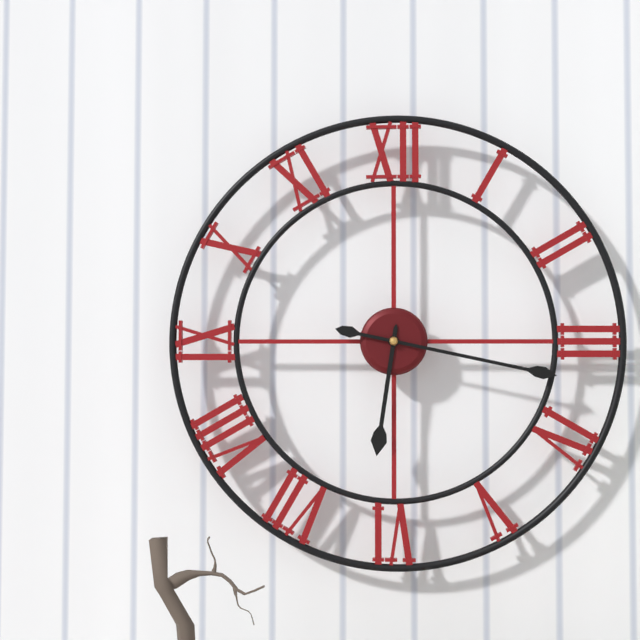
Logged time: {"hour": 6, "minute": 17}
